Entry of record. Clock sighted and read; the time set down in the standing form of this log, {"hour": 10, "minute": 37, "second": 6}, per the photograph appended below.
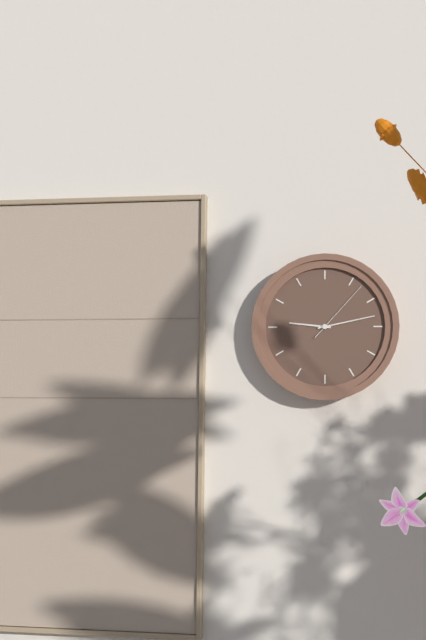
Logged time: {"hour": 9, "minute": 13, "second": 7}
